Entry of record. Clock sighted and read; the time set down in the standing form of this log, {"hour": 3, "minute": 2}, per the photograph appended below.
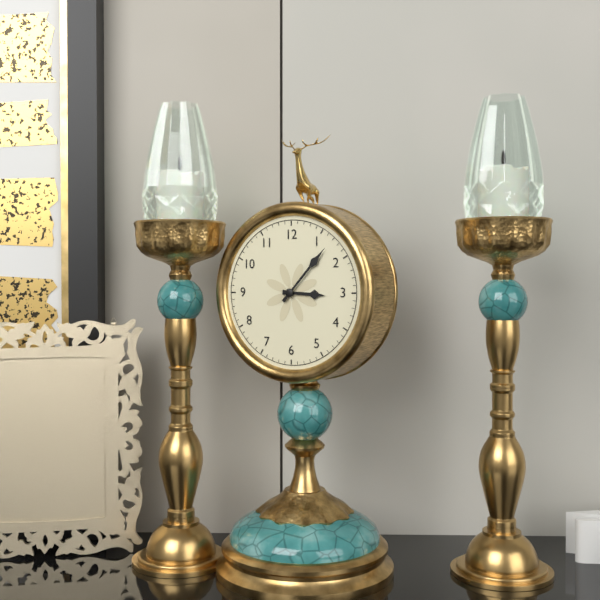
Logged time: {"hour": 3, "minute": 7}
